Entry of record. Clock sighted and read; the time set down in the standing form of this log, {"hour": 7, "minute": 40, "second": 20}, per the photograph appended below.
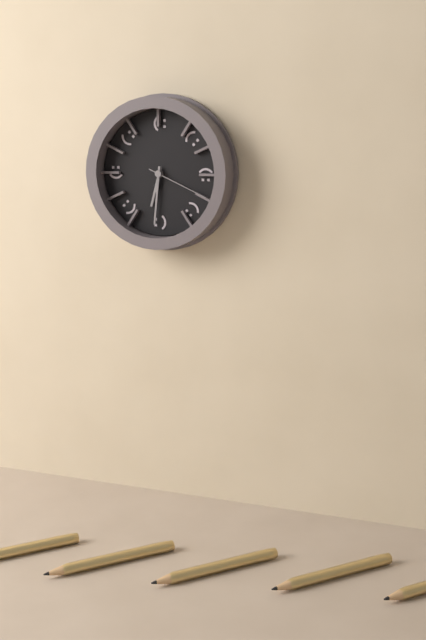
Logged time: {"hour": 6, "minute": 31, "second": 19}
